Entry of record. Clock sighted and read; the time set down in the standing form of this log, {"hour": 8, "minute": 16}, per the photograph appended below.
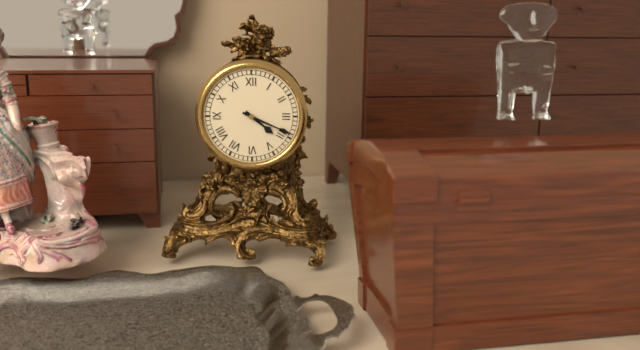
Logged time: {"hour": 4, "minute": 19}
